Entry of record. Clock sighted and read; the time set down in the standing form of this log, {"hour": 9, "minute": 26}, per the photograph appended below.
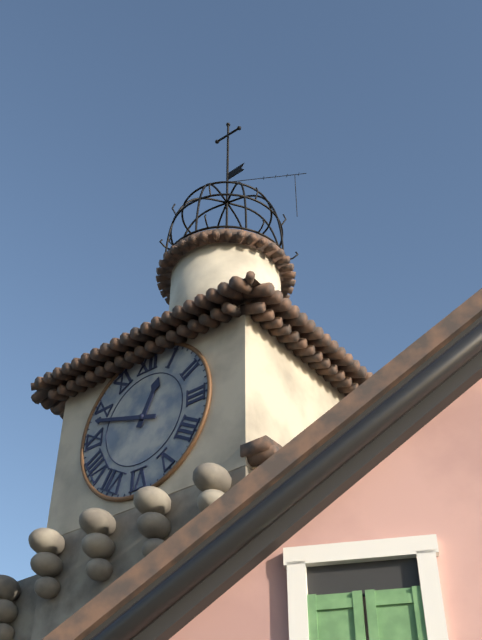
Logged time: {"hour": 12, "minute": 48}
